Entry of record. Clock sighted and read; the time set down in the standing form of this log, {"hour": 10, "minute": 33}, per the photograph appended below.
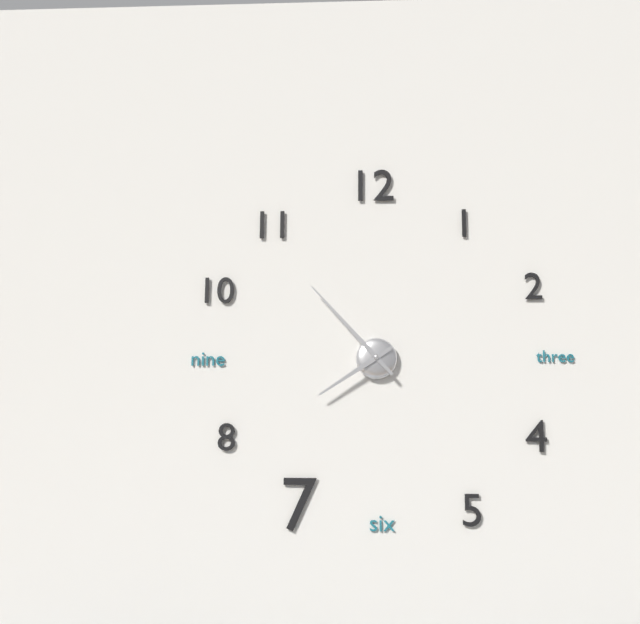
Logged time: {"hour": 7, "minute": 53}
